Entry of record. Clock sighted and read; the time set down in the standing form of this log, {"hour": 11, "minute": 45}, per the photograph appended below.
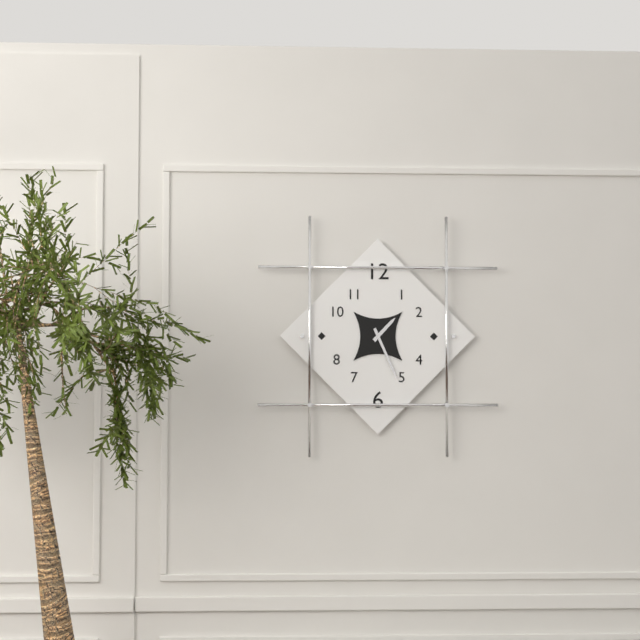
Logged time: {"hour": 1, "minute": 26}
